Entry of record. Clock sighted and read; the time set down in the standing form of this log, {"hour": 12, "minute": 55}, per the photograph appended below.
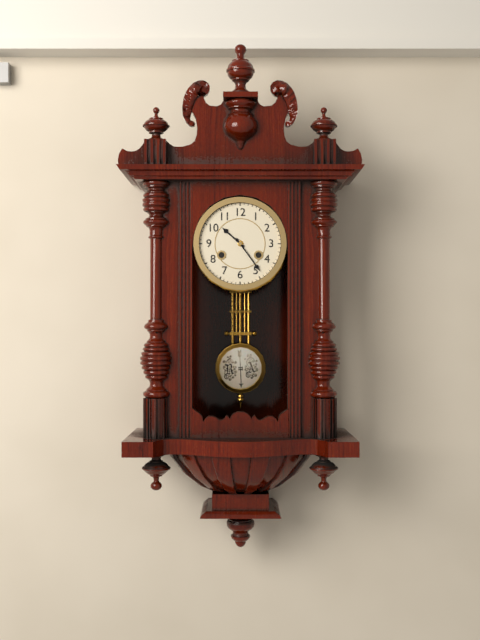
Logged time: {"hour": 10, "minute": 24}
